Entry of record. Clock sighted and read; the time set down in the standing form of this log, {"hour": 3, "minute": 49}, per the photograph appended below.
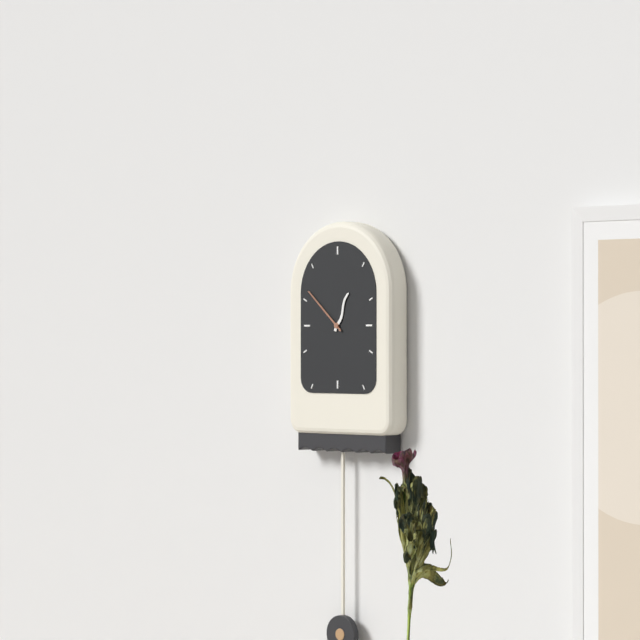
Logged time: {"hour": 12, "minute": 52}
